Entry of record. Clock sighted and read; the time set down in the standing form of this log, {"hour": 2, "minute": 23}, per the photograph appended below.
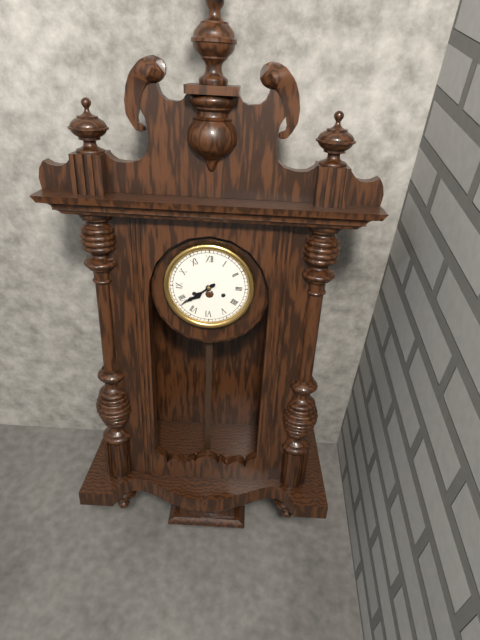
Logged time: {"hour": 7, "minute": 39}
